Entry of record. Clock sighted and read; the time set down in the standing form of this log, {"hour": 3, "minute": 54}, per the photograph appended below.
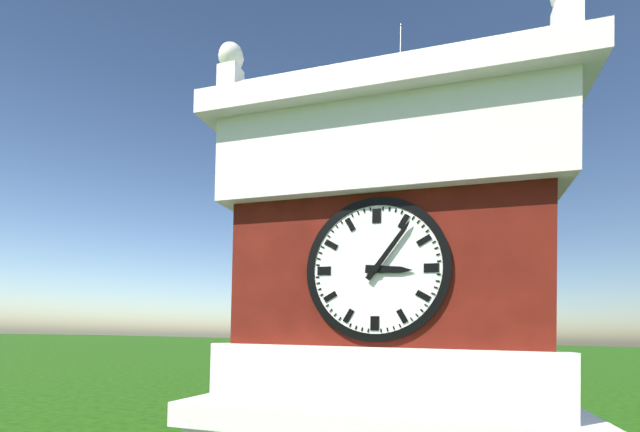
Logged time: {"hour": 3, "minute": 6}
